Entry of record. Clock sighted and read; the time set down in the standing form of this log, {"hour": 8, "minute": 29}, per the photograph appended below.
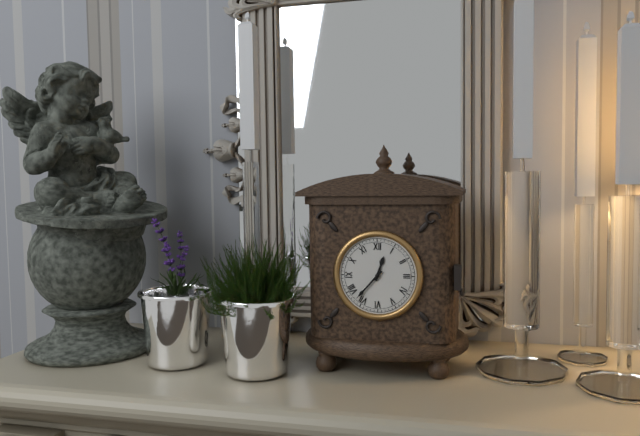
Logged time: {"hour": 12, "minute": 37}
